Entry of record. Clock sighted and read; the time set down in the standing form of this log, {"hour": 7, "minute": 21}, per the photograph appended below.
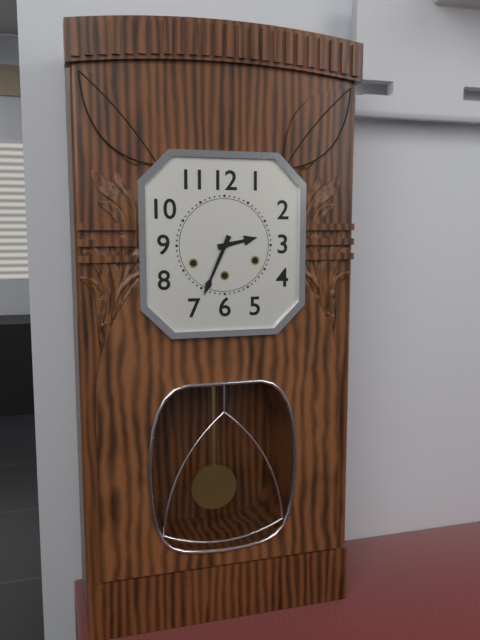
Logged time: {"hour": 2, "minute": 34}
